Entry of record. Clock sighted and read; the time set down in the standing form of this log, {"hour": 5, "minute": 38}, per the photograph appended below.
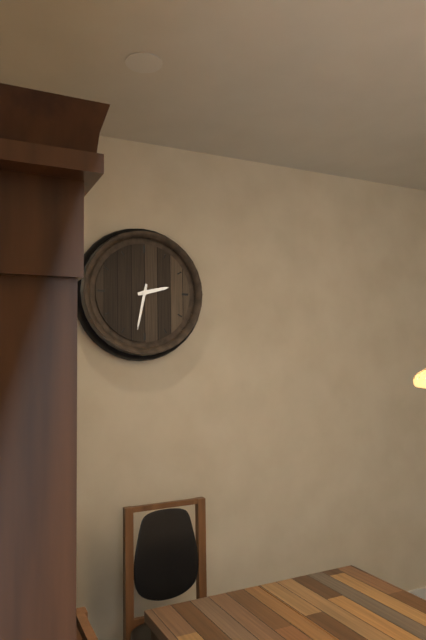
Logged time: {"hour": 2, "minute": 32}
